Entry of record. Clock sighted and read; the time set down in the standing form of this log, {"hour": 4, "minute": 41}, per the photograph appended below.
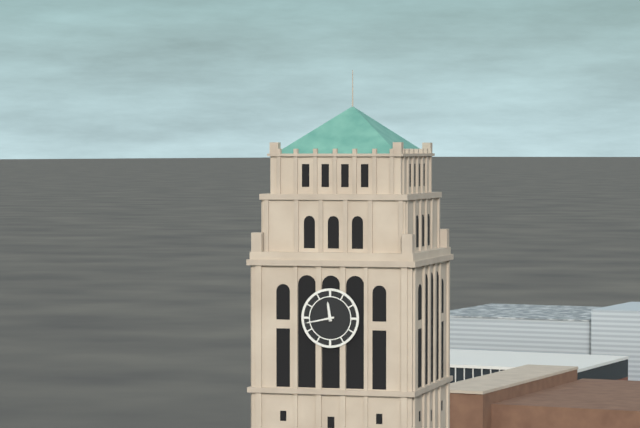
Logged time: {"hour": 11, "minute": 43}
